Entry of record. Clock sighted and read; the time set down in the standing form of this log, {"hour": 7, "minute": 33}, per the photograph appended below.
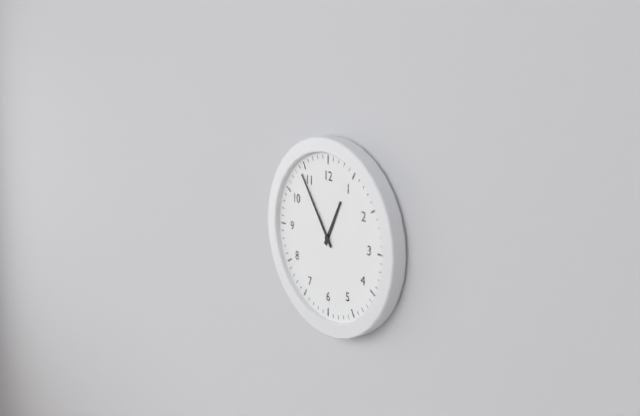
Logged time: {"hour": 12, "minute": 54}
